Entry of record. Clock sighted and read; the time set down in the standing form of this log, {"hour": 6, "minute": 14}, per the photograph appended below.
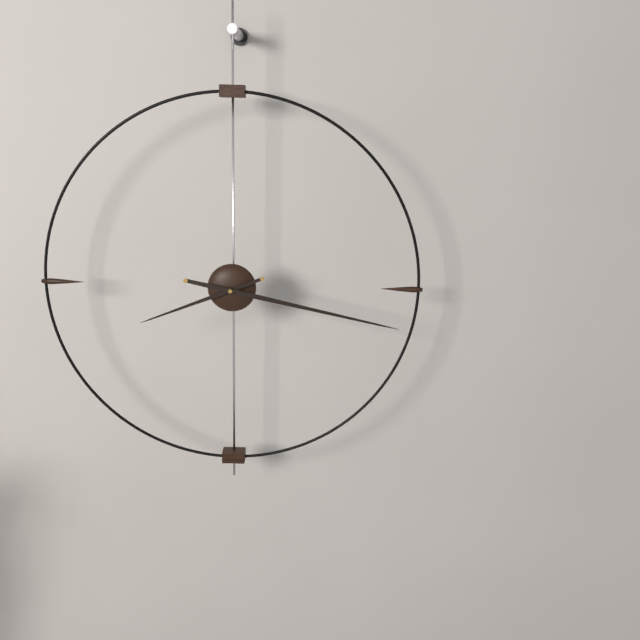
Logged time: {"hour": 8, "minute": 17}
